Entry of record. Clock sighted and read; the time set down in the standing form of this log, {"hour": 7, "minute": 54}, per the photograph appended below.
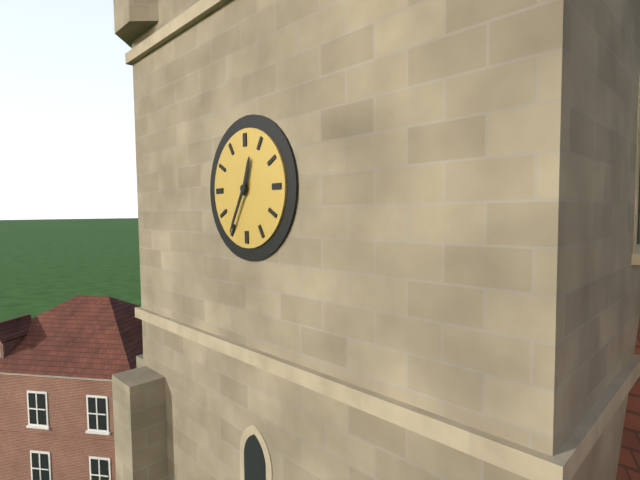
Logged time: {"hour": 12, "minute": 35}
